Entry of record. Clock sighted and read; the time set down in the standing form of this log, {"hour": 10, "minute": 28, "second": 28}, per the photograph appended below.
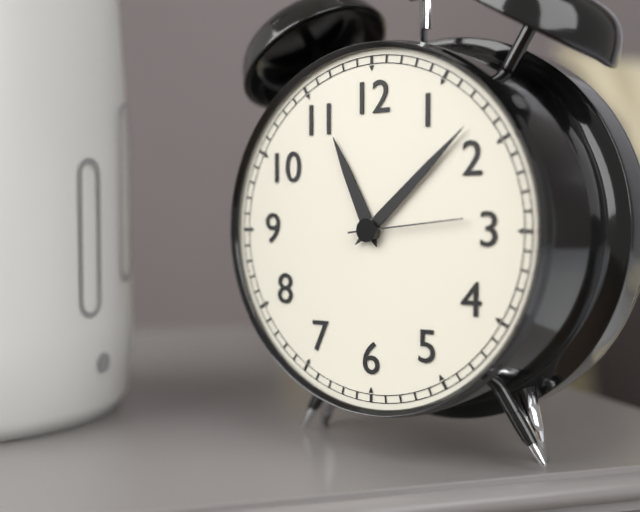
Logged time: {"hour": 11, "minute": 8, "second": 14}
